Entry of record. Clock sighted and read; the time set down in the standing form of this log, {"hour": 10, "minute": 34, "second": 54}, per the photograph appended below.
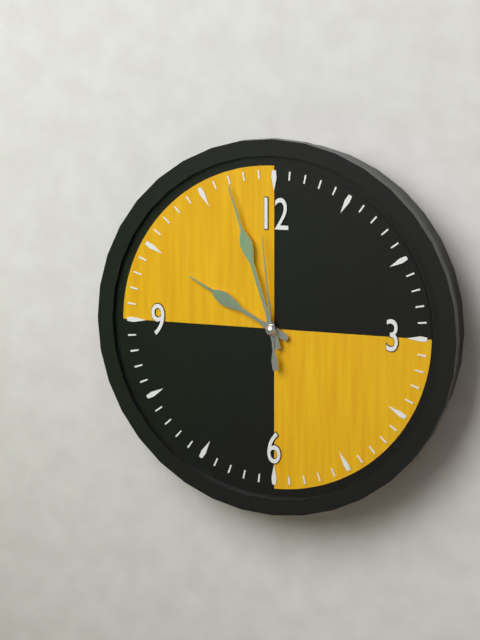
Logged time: {"hour": 9, "minute": 57, "second": 59}
